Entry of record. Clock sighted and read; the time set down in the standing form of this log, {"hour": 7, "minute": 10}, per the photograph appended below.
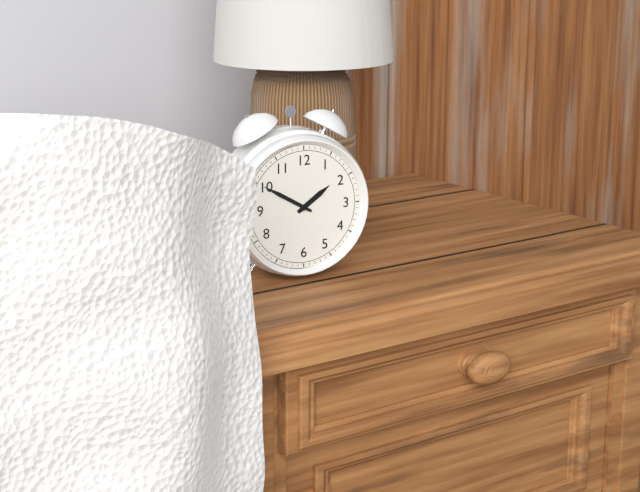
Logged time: {"hour": 1, "minute": 50}
